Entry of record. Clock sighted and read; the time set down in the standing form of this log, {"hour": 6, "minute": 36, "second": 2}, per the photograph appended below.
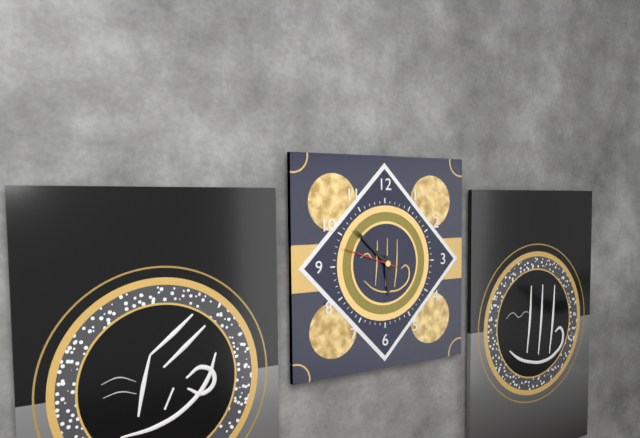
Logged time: {"hour": 5, "minute": 52, "second": 48}
